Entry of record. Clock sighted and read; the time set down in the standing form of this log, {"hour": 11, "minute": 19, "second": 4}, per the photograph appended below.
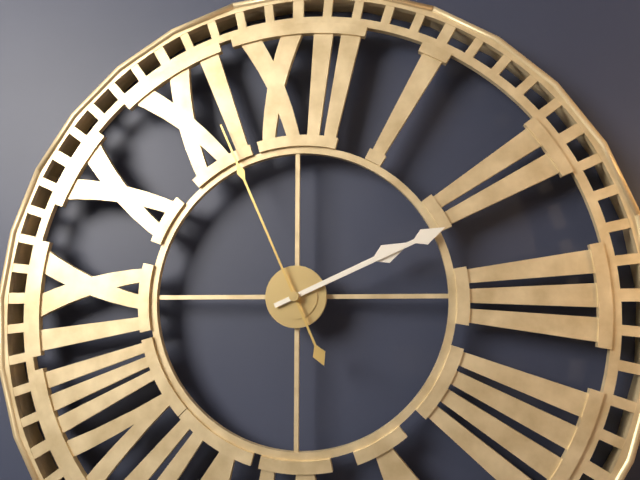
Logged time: {"hour": 2, "minute": 11, "second": 56}
